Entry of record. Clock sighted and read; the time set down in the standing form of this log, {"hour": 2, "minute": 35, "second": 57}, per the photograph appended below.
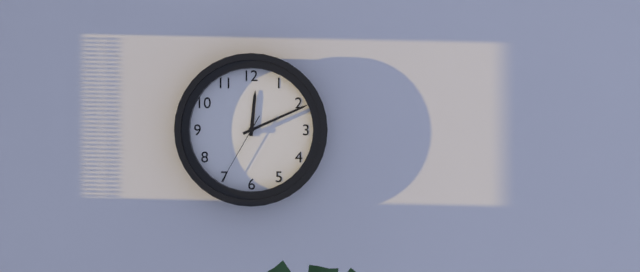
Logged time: {"hour": 12, "minute": 11, "second": 35}
